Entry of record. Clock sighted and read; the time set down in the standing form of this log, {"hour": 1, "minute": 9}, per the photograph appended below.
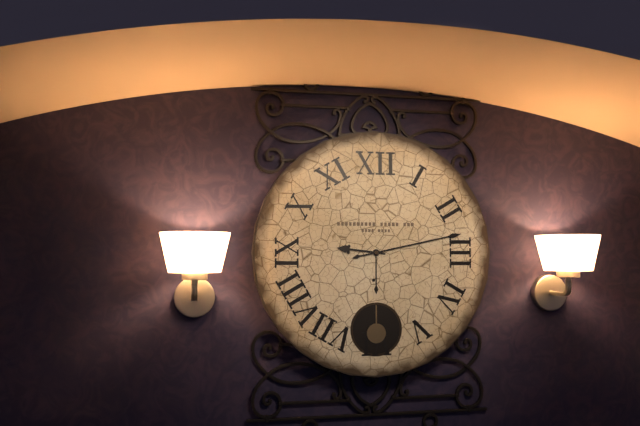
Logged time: {"hour": 9, "minute": 13}
